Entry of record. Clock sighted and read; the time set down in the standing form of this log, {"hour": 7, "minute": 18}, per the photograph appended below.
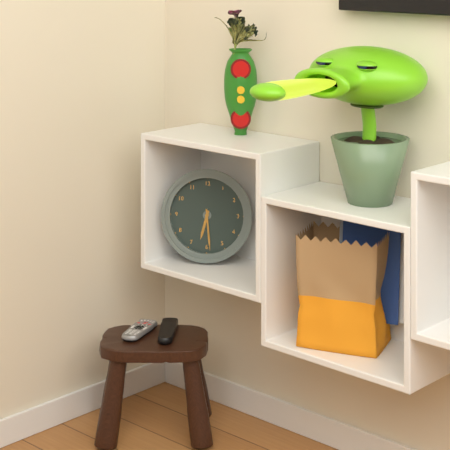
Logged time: {"hour": 6, "minute": 29}
